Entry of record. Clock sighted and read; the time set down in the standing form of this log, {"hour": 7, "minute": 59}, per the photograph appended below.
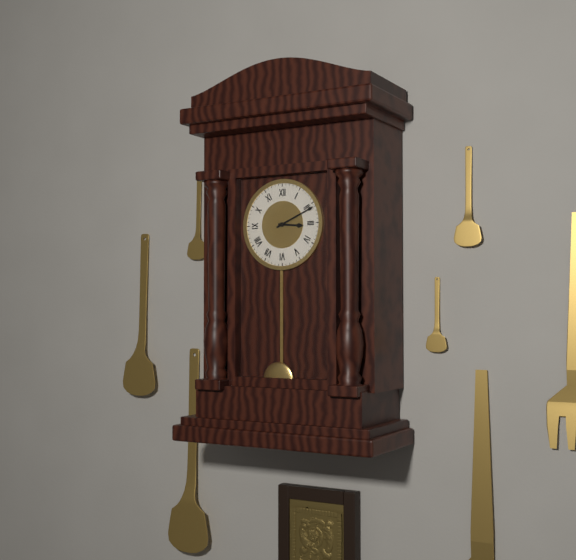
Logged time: {"hour": 3, "minute": 11}
